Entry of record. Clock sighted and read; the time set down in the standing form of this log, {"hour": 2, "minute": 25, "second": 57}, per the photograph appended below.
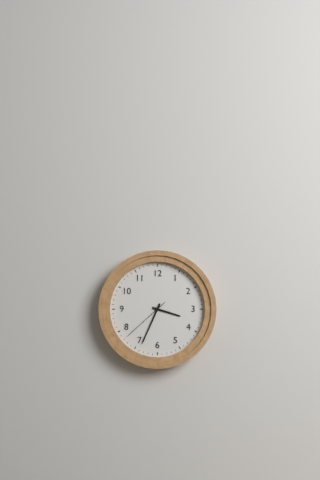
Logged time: {"hour": 3, "minute": 34, "second": 38}
